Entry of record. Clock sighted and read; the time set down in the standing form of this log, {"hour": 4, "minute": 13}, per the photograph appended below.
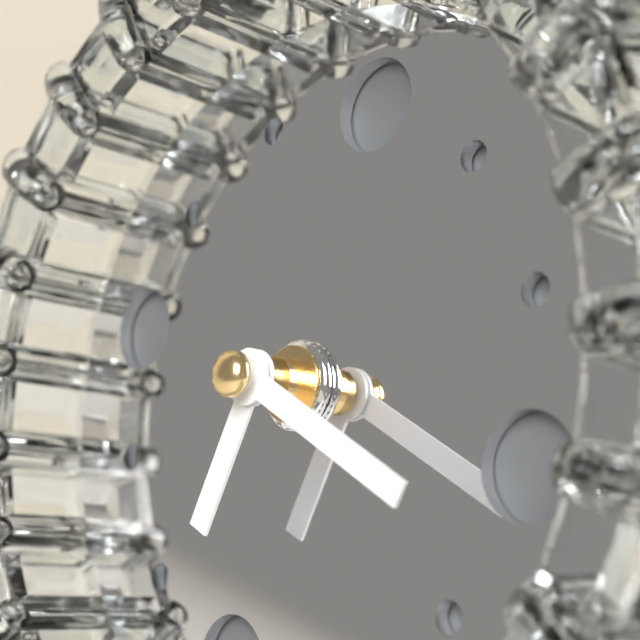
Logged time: {"hour": 6, "minute": 17}
